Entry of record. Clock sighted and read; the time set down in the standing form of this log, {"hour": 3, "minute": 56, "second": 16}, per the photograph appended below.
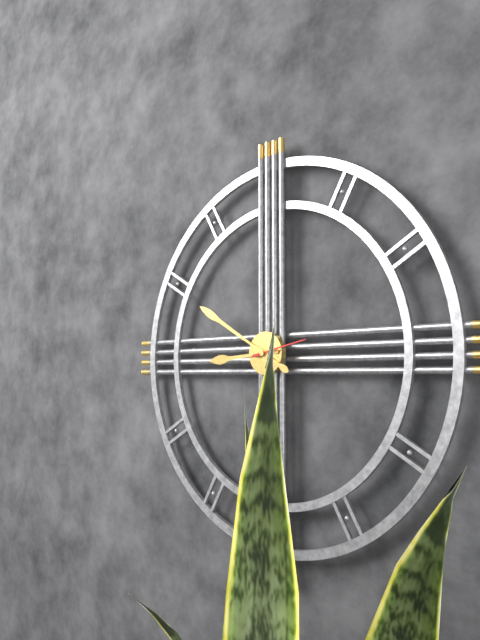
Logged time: {"hour": 8, "minute": 50, "second": 13}
